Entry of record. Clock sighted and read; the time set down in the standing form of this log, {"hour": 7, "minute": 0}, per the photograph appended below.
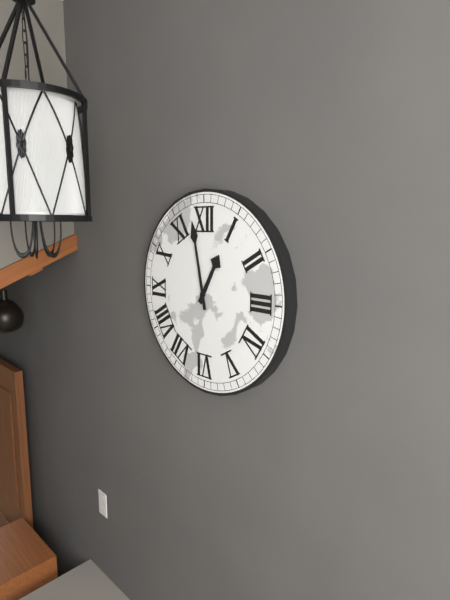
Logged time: {"hour": 12, "minute": 58}
